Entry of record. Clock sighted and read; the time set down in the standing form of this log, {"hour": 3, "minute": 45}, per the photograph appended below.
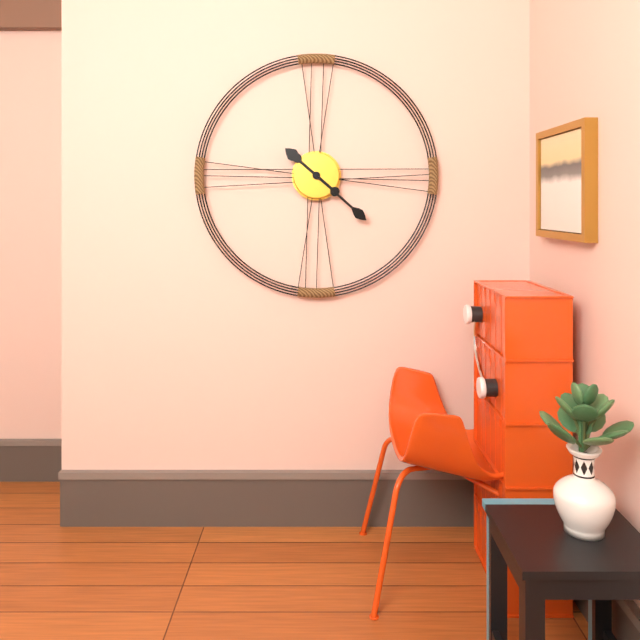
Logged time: {"hour": 10, "minute": 22}
